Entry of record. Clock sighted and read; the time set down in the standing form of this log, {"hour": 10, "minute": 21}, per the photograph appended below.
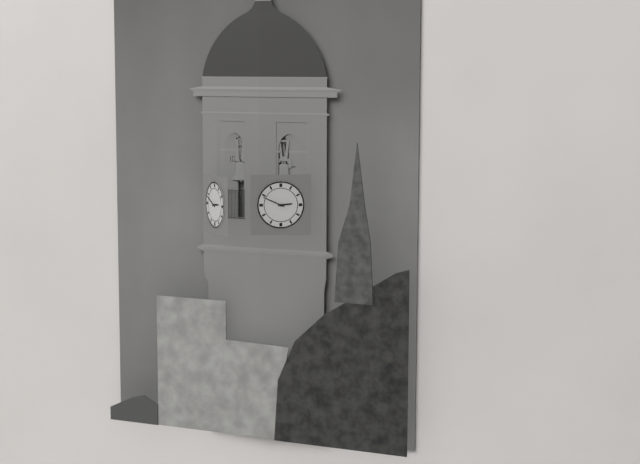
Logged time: {"hour": 2, "minute": 49}
